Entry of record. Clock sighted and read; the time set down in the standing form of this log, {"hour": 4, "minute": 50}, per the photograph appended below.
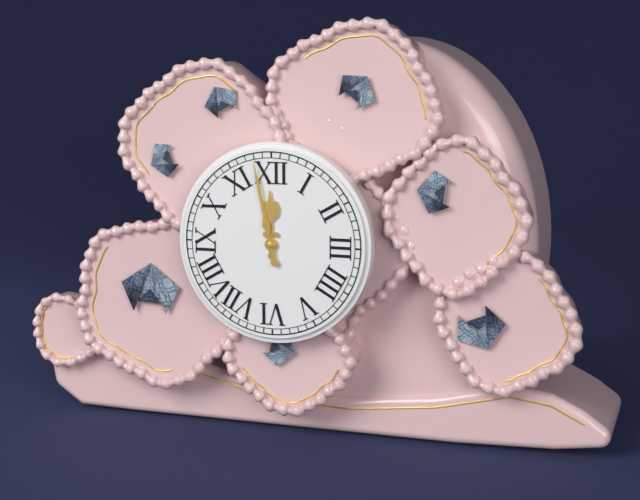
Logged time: {"hour": 11, "minute": 58}
